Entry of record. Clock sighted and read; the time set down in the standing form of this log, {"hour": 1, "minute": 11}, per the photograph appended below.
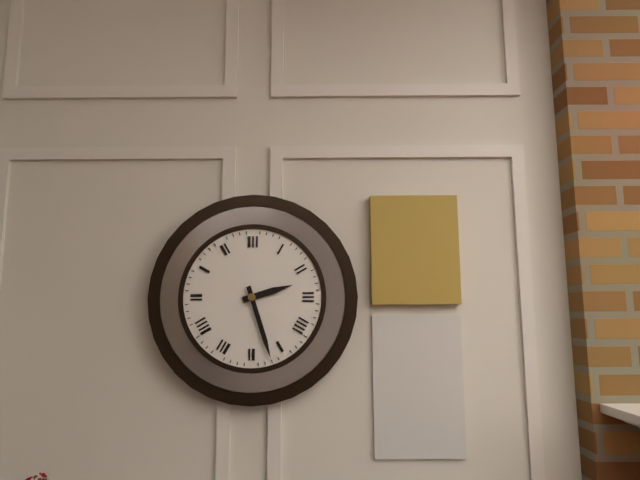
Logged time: {"hour": 2, "minute": 27}
